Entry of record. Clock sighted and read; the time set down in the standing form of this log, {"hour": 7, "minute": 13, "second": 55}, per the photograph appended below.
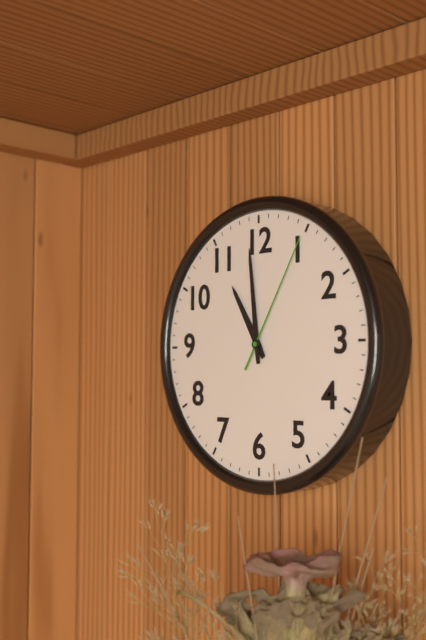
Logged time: {"hour": 10, "minute": 59, "second": 5}
